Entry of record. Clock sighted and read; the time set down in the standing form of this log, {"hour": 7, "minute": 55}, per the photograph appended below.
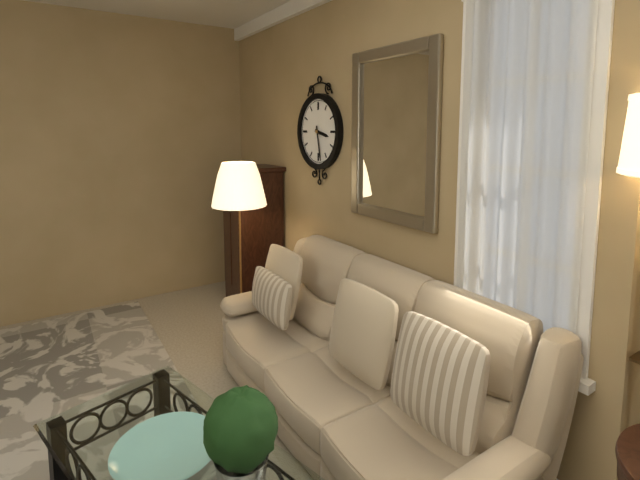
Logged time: {"hour": 3, "minute": 28}
